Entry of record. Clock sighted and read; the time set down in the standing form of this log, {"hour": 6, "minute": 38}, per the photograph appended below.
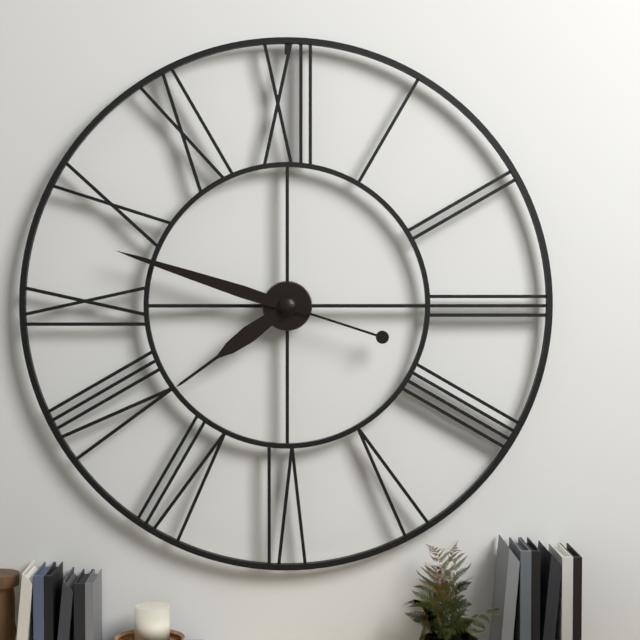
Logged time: {"hour": 7, "minute": 48}
